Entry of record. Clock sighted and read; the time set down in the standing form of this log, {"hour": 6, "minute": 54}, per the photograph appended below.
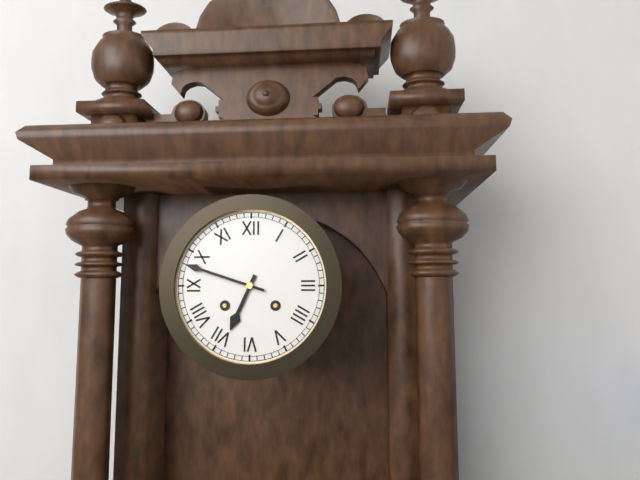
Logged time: {"hour": 6, "minute": 48}
